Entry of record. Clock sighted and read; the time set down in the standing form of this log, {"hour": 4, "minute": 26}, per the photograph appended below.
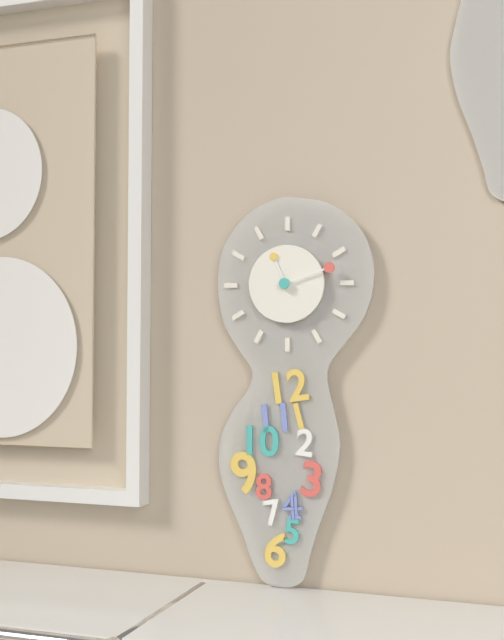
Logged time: {"hour": 11, "minute": 12}
